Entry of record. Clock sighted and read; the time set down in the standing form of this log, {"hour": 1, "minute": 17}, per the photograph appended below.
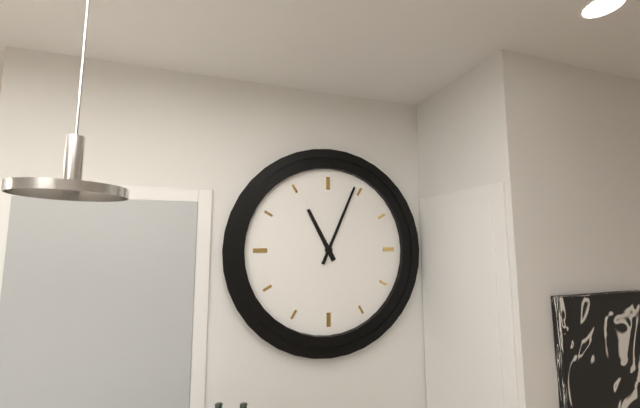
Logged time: {"hour": 11, "minute": 4}
